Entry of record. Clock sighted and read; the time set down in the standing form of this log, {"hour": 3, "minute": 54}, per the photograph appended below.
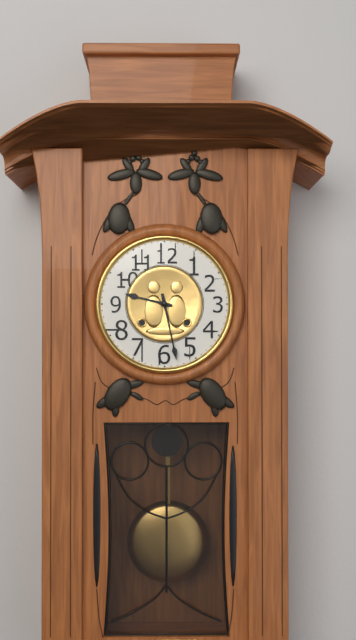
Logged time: {"hour": 9, "minute": 28}
